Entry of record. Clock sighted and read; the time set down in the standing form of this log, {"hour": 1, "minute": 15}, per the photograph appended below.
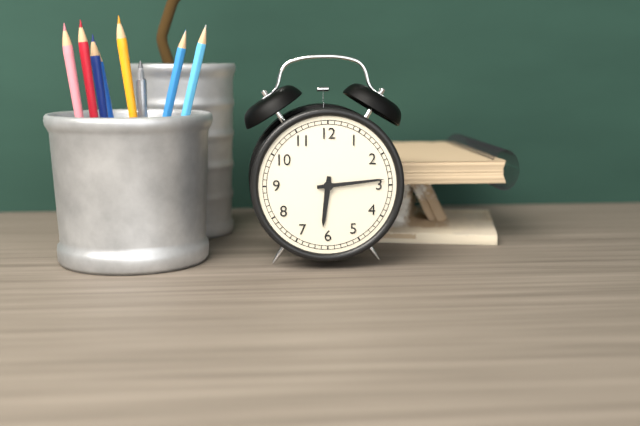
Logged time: {"hour": 6, "minute": 14}
